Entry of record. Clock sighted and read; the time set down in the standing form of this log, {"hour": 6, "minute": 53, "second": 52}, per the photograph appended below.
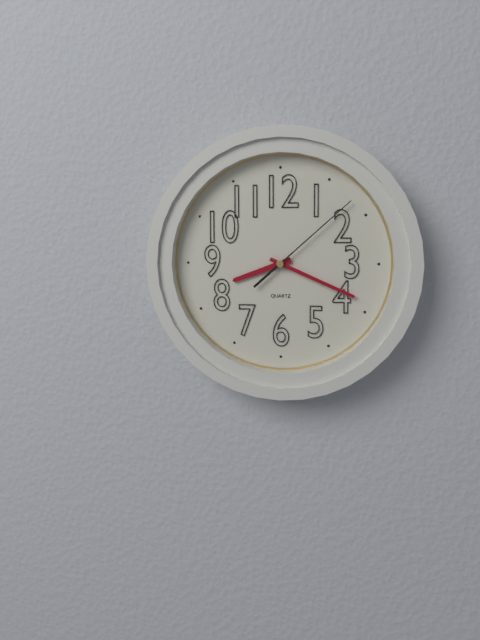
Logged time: {"hour": 8, "minute": 19, "second": 8}
